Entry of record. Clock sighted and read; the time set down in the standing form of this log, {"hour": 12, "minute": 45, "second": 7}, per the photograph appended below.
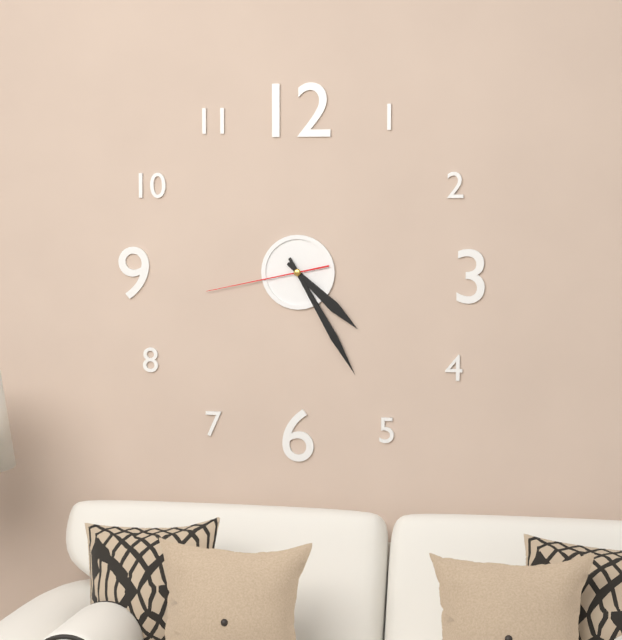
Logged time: {"hour": 4, "minute": 25, "second": 43}
